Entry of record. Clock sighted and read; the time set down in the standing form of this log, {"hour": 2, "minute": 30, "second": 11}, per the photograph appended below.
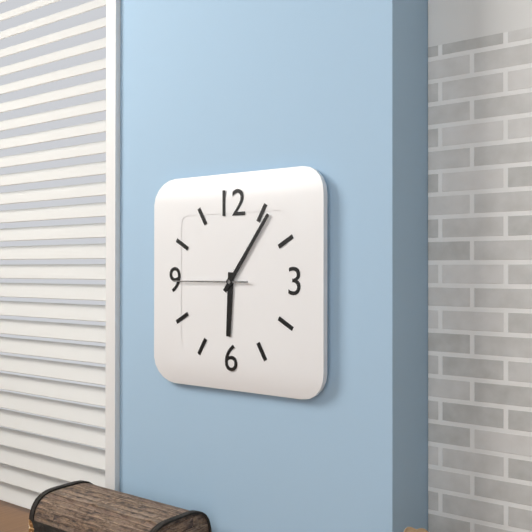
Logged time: {"hour": 6, "minute": 6, "second": 45}
